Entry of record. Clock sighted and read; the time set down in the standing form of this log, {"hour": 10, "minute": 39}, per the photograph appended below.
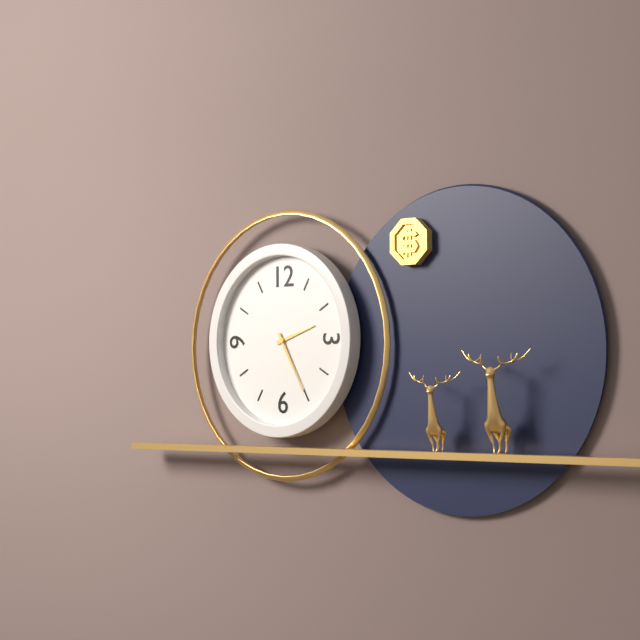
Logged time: {"hour": 2, "minute": 25}
